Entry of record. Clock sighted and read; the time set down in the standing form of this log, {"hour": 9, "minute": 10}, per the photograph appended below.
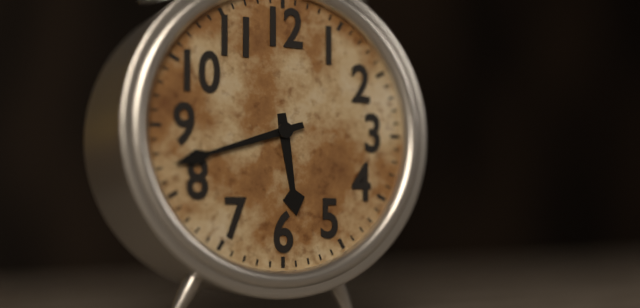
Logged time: {"hour": 5, "minute": 42}
